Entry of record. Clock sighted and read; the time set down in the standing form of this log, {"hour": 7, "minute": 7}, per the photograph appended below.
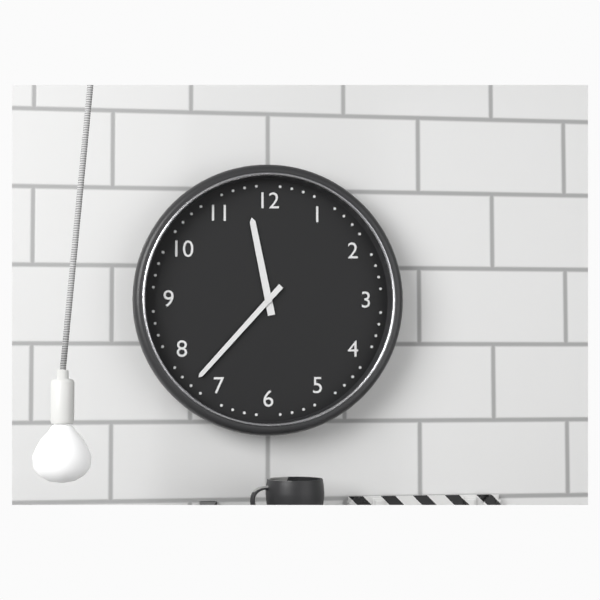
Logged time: {"hour": 11, "minute": 37}
